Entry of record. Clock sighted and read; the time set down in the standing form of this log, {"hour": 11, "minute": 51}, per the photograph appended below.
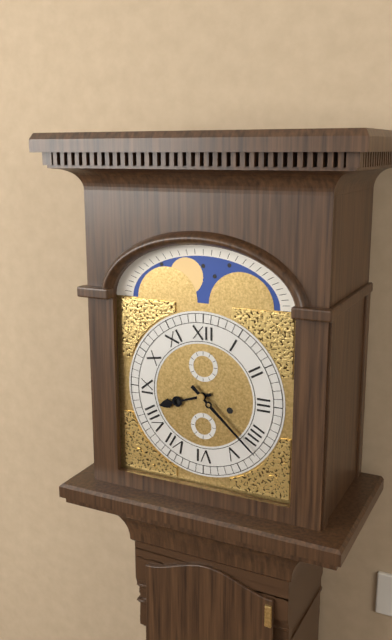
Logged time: {"hour": 8, "minute": 22}
